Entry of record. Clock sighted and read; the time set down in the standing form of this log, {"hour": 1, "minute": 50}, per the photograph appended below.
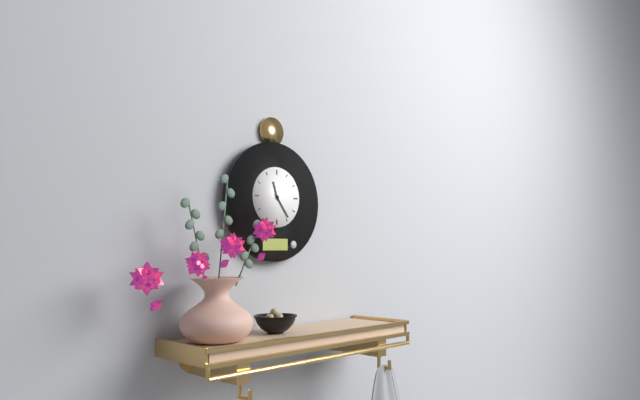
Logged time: {"hour": 11, "minute": 24}
